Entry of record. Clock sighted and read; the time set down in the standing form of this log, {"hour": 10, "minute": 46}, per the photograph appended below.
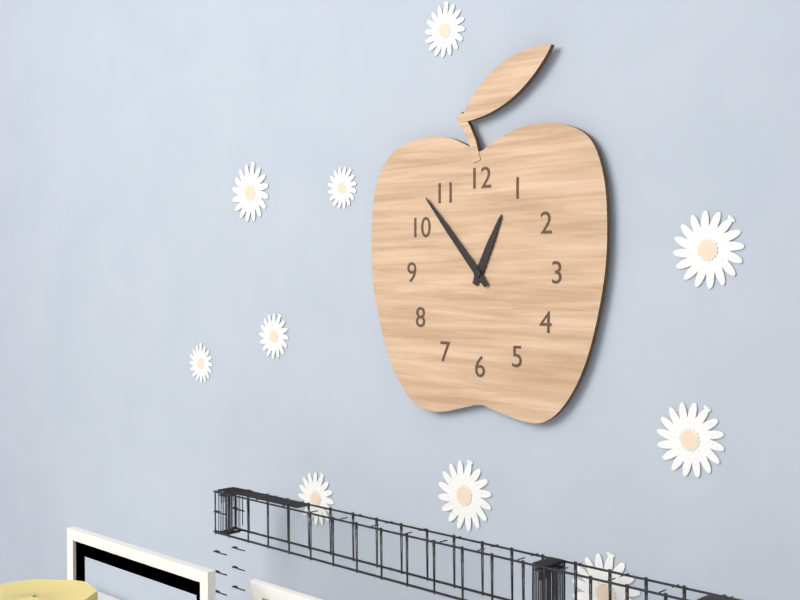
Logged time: {"hour": 12, "minute": 53}
